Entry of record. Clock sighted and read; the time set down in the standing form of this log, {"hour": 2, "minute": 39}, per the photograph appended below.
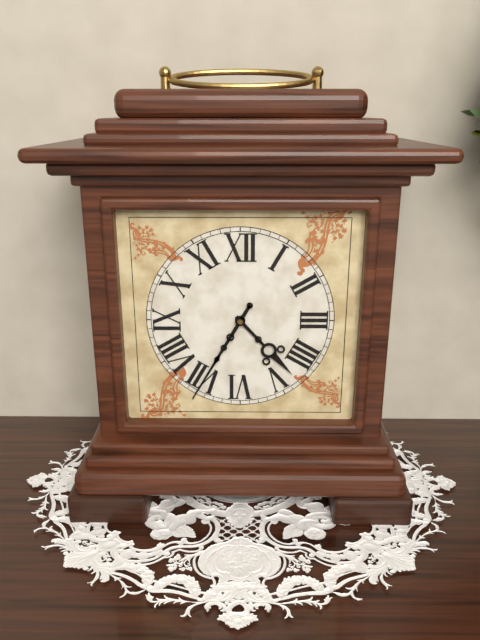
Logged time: {"hour": 4, "minute": 35}
